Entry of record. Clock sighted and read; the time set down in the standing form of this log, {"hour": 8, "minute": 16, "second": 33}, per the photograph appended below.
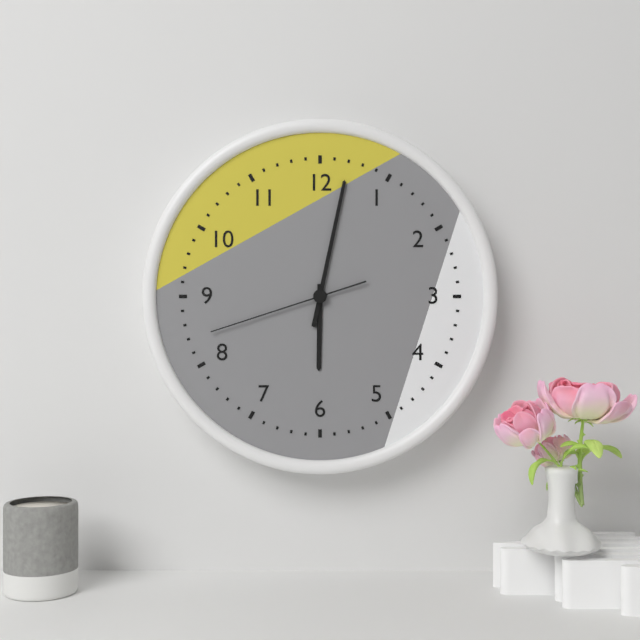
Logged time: {"hour": 6, "minute": 2, "second": 42}
